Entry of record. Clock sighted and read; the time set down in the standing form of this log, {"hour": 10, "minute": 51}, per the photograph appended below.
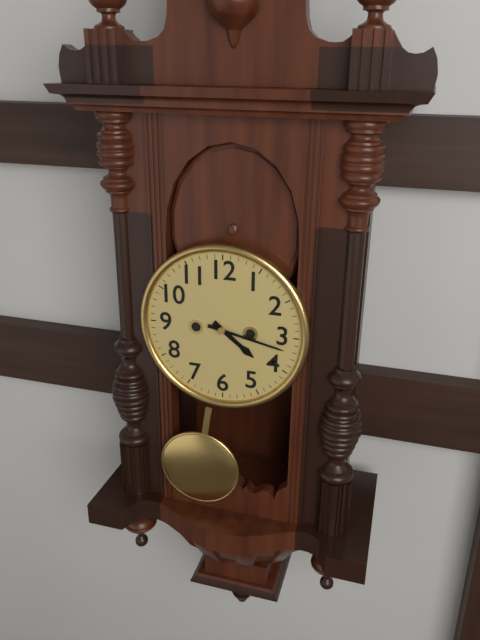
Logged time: {"hour": 4, "minute": 17}
